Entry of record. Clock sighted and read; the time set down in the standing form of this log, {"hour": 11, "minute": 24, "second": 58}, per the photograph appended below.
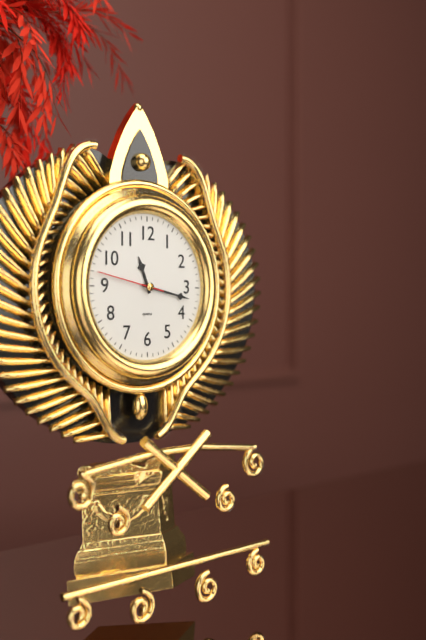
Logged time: {"hour": 11, "minute": 17, "second": 47}
